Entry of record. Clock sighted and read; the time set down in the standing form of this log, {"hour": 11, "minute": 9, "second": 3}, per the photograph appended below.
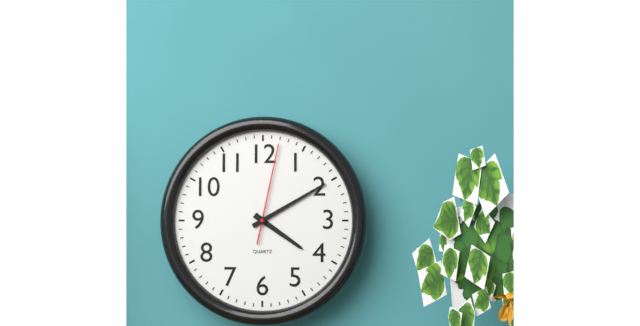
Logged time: {"hour": 4, "minute": 10, "second": 2}
